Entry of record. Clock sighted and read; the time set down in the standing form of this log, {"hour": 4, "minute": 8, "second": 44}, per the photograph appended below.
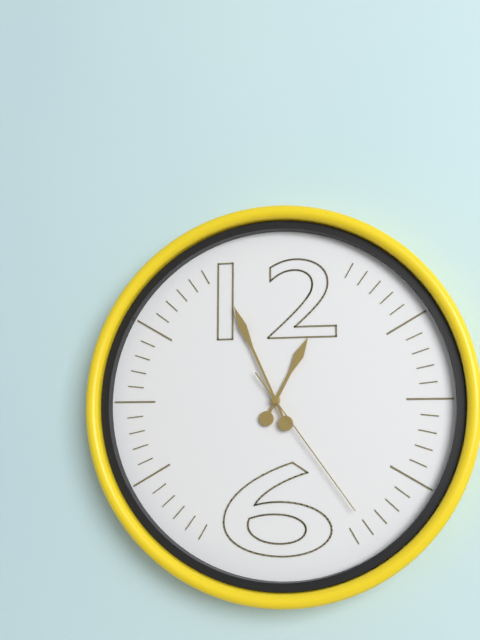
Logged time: {"hour": 12, "minute": 56, "second": 24}
